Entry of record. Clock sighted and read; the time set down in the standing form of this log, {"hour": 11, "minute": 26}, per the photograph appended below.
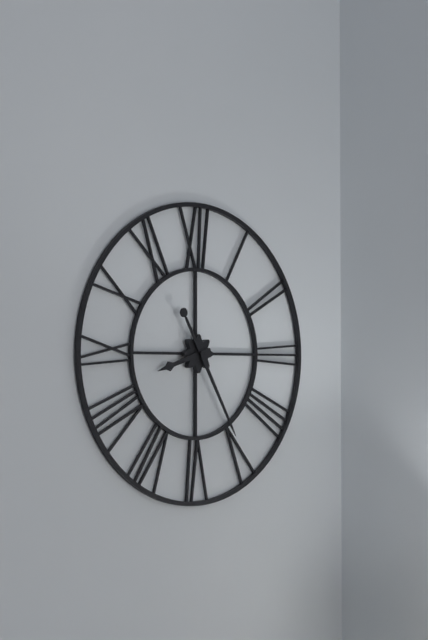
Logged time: {"hour": 8, "minute": 25}
